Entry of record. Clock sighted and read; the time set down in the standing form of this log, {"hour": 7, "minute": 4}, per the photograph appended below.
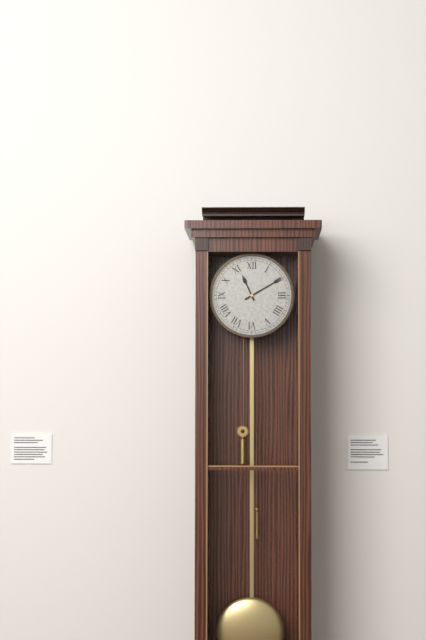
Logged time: {"hour": 11, "minute": 10}
